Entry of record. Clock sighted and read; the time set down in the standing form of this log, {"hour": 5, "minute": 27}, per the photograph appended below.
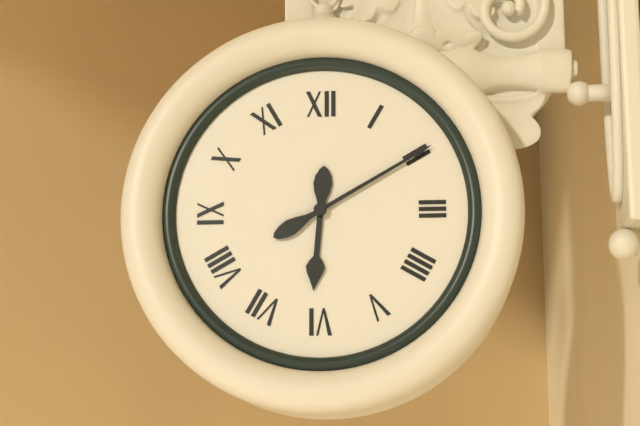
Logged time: {"hour": 6, "minute": 10}
